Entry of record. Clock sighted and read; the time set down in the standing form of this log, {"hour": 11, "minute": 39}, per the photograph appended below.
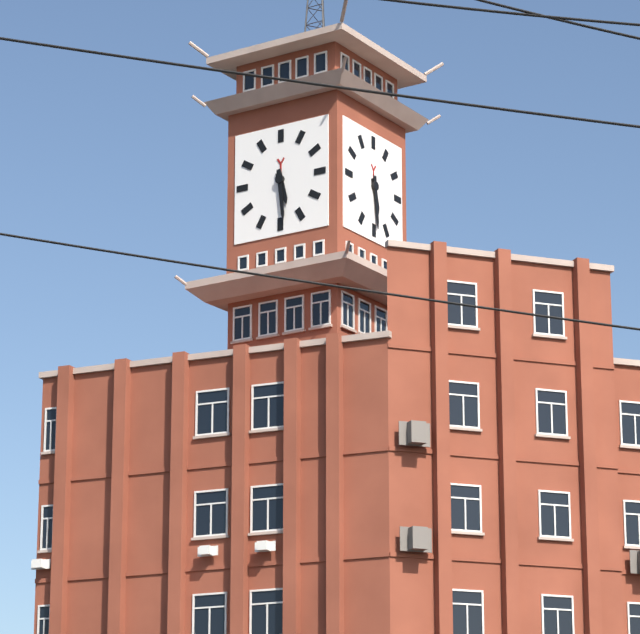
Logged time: {"hour": 5, "minute": 29}
